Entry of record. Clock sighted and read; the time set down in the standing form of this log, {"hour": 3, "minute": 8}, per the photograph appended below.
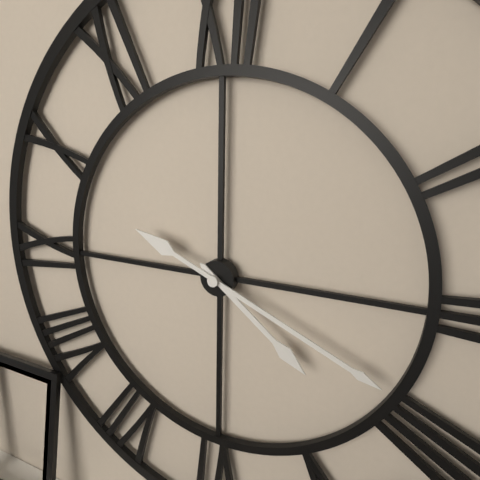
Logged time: {"hour": 4, "minute": 19}
